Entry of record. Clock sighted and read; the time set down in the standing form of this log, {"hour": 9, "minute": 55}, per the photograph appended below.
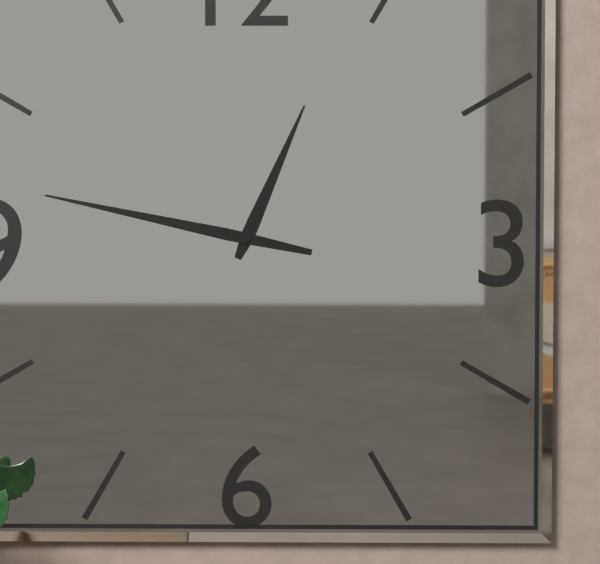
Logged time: {"hour": 12, "minute": 47}
